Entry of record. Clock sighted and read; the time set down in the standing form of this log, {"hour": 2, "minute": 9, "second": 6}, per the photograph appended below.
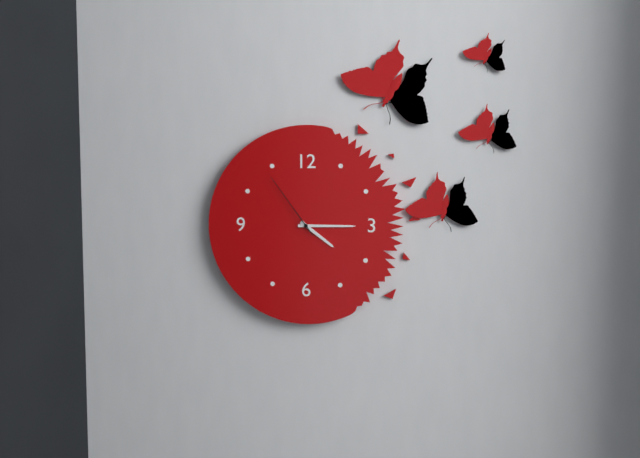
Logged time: {"hour": 4, "minute": 15, "second": 54}
